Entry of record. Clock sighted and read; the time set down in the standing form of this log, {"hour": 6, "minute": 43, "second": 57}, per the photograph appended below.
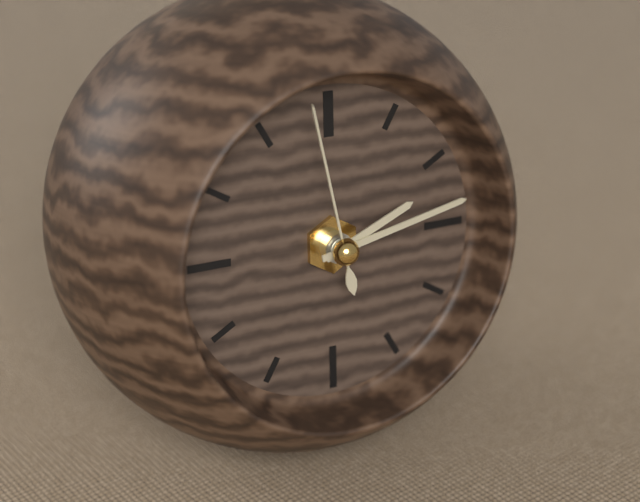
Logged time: {"hour": 2, "minute": 13, "second": 58}
